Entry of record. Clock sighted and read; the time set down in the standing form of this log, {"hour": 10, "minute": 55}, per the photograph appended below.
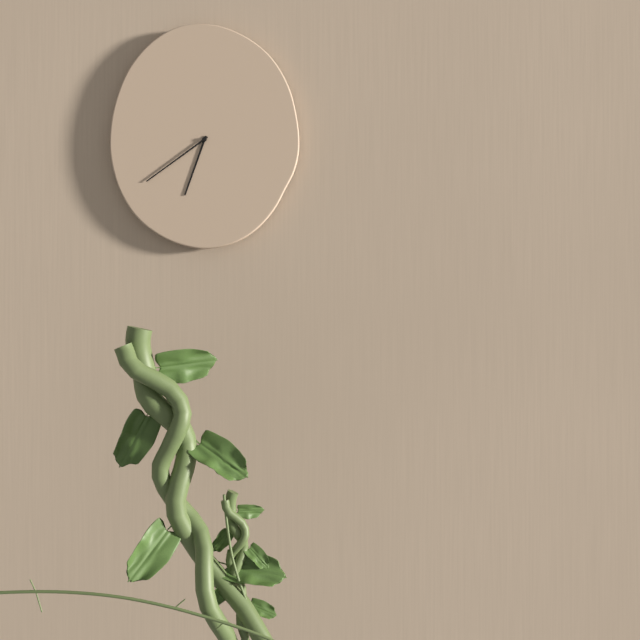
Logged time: {"hour": 6, "minute": 39}
